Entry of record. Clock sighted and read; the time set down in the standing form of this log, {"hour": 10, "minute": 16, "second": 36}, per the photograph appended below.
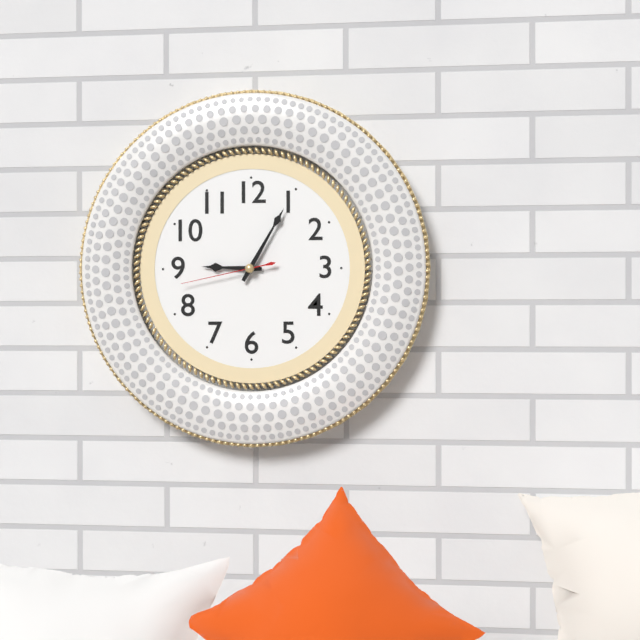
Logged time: {"hour": 9, "minute": 5, "second": 43}
